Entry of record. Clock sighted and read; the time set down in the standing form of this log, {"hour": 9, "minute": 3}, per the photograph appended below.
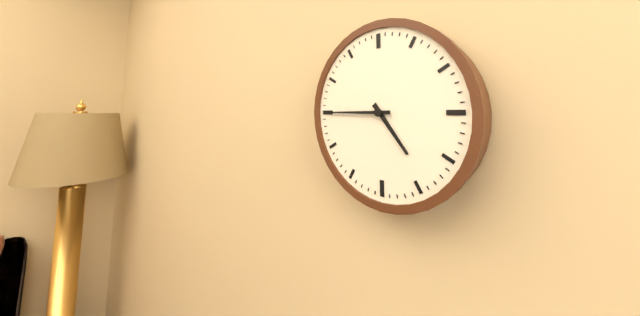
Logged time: {"hour": 4, "minute": 45}
